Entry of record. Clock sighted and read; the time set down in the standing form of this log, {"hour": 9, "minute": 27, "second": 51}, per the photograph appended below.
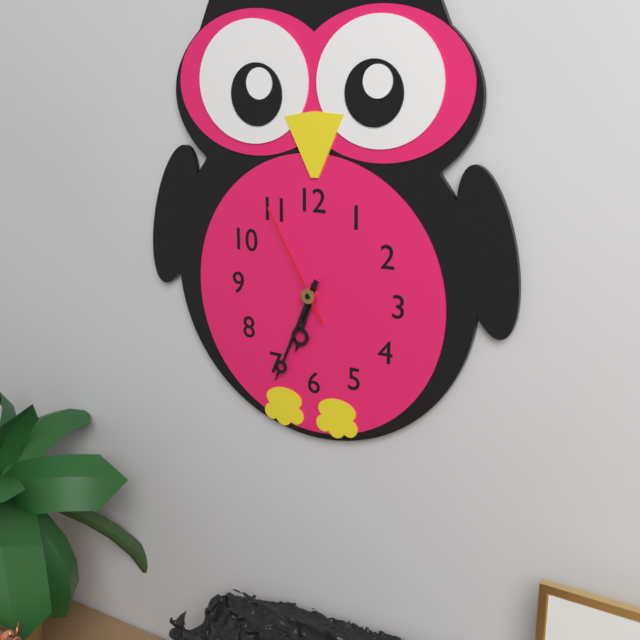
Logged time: {"hour": 6, "minute": 34, "second": 55}
